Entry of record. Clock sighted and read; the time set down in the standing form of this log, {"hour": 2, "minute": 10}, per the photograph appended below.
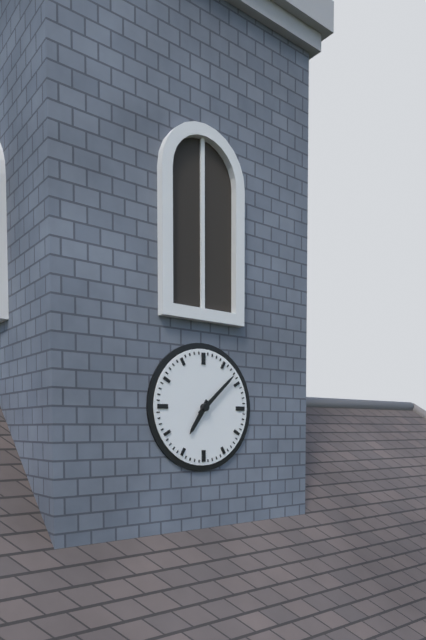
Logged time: {"hour": 7, "minute": 8}
